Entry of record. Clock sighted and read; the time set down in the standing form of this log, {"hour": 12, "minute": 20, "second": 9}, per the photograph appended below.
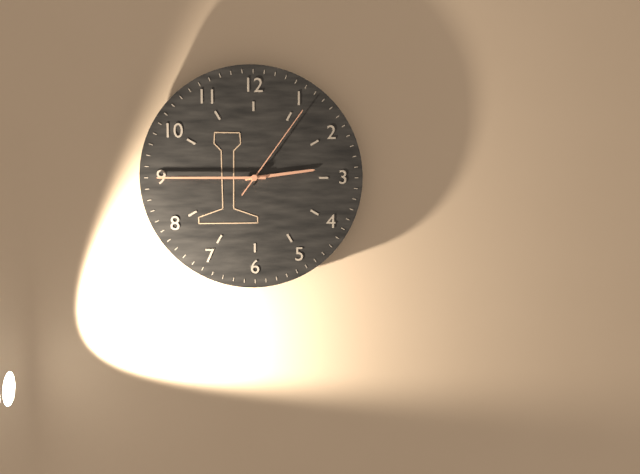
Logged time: {"hour": 2, "minute": 45, "second": 6}
